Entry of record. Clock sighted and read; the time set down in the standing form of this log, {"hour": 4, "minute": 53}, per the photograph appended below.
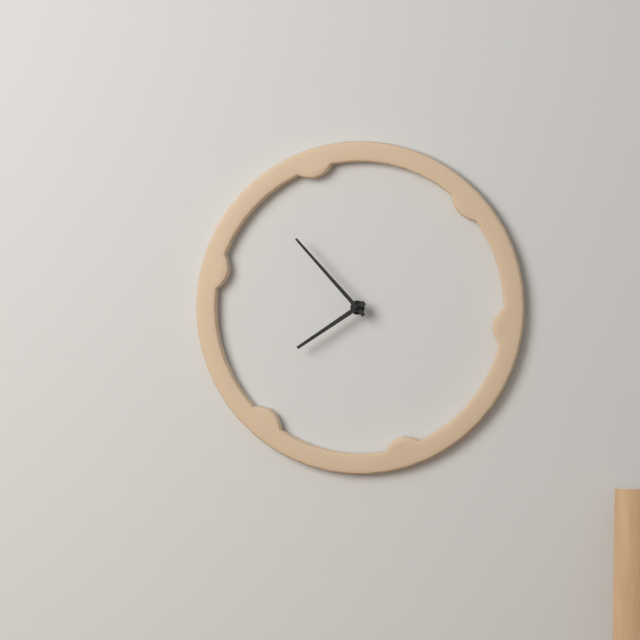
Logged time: {"hour": 7, "minute": 53}
